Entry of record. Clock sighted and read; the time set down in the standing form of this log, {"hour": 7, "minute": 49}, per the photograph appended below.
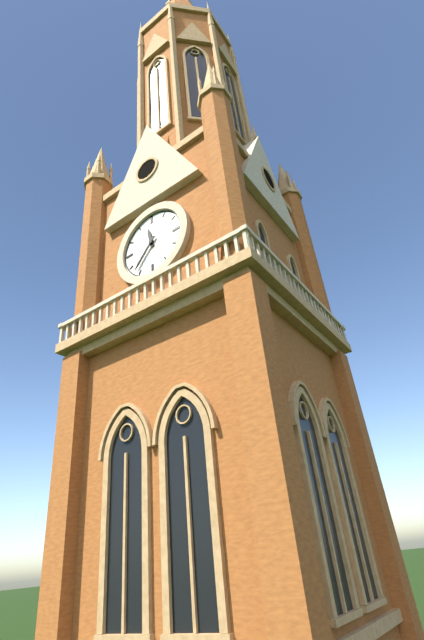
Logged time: {"hour": 11, "minute": 37}
